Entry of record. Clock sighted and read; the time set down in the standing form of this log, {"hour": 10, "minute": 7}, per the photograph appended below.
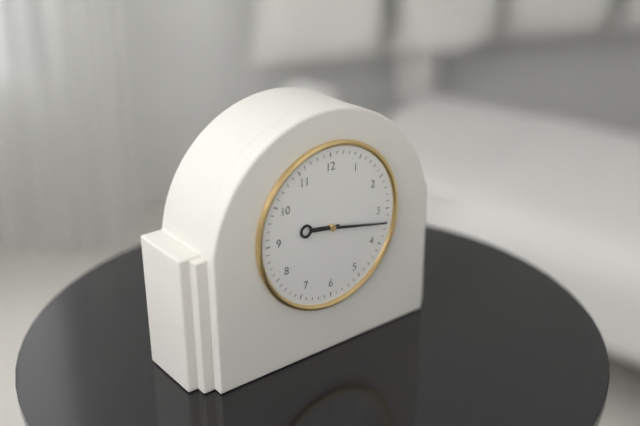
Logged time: {"hour": 9, "minute": 17}
